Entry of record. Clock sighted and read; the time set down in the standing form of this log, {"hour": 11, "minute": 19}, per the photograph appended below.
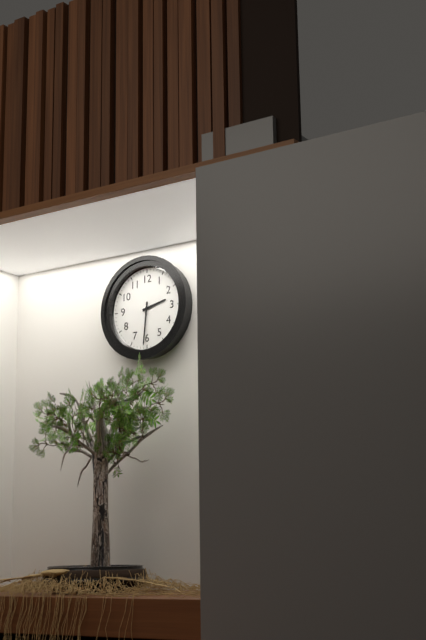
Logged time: {"hour": 2, "minute": 31}
